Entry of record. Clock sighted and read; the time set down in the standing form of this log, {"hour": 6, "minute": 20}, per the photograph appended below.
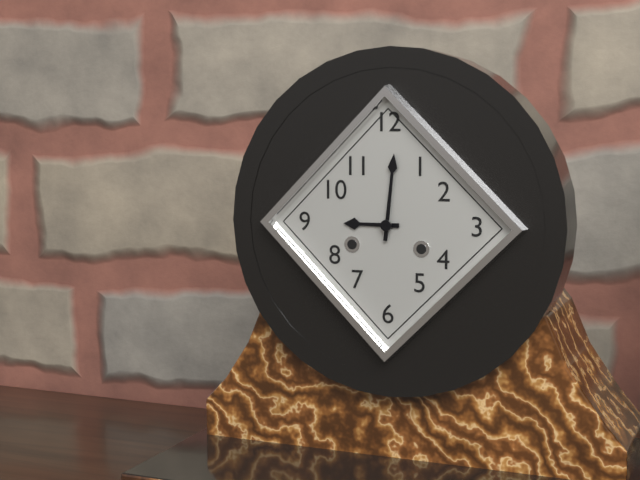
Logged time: {"hour": 9, "minute": 1}
